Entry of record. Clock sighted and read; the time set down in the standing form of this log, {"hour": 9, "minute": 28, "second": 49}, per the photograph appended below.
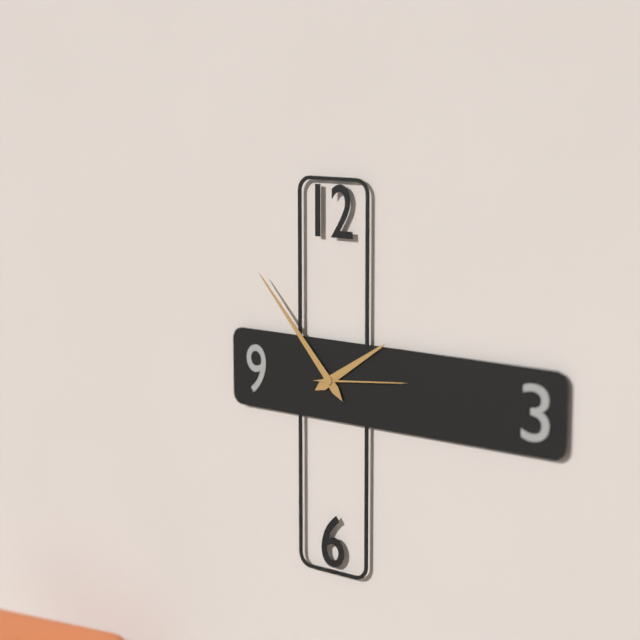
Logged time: {"hour": 1, "minute": 53, "second": 14}
